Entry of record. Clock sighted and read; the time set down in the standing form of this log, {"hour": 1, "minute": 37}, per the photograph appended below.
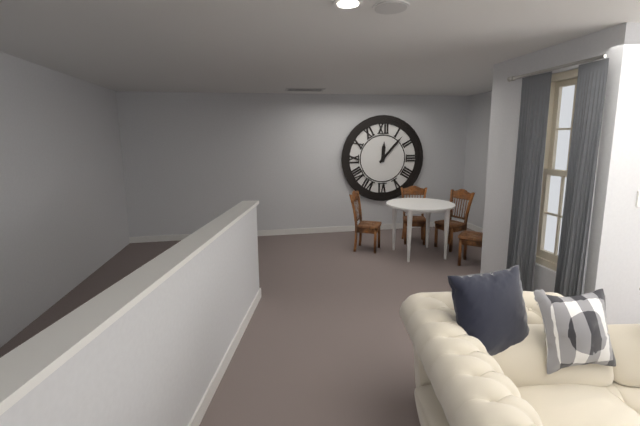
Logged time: {"hour": 12, "minute": 7}
